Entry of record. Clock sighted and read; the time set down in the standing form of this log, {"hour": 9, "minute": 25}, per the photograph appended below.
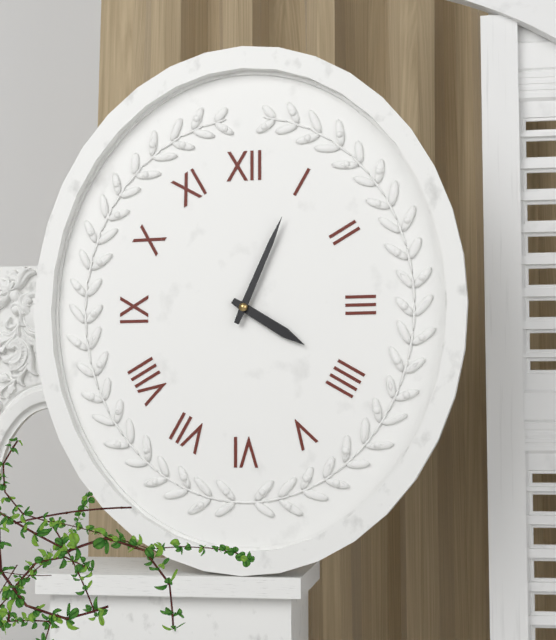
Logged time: {"hour": 4, "minute": 4}
